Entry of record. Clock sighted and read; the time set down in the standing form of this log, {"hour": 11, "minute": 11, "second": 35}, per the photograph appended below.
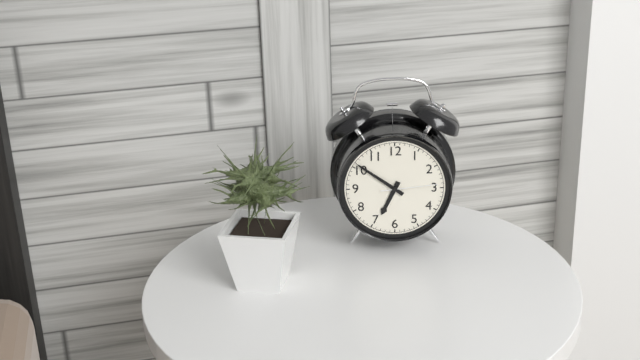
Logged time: {"hour": 6, "minute": 51, "second": 14}
